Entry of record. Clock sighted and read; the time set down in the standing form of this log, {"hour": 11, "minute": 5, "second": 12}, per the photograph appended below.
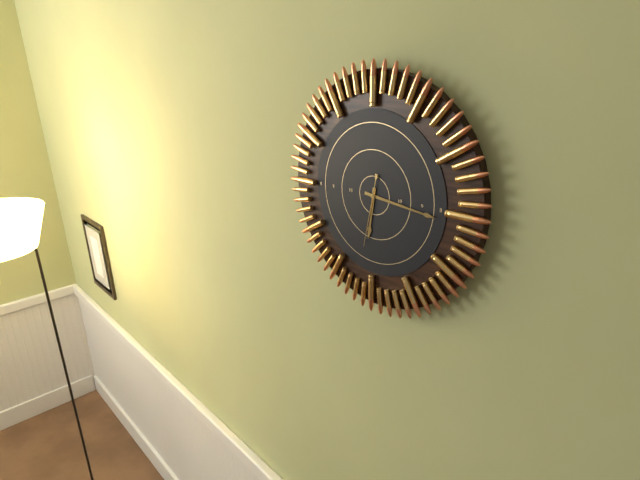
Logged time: {"hour": 6, "minute": 16, "second": 32}
